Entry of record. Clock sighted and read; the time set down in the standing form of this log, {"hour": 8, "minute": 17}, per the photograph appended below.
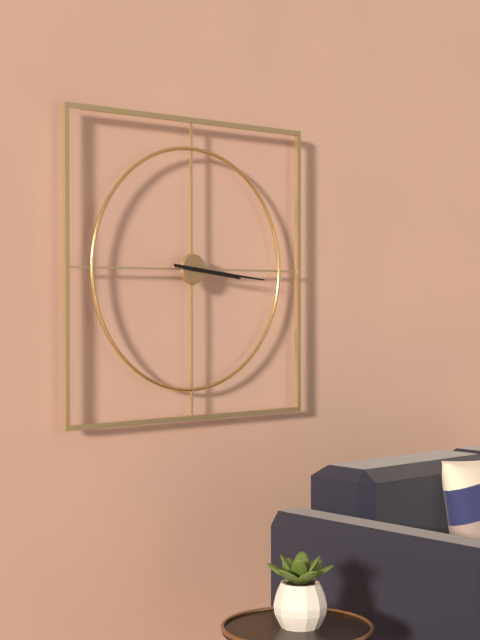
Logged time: {"hour": 3, "minute": 16}
